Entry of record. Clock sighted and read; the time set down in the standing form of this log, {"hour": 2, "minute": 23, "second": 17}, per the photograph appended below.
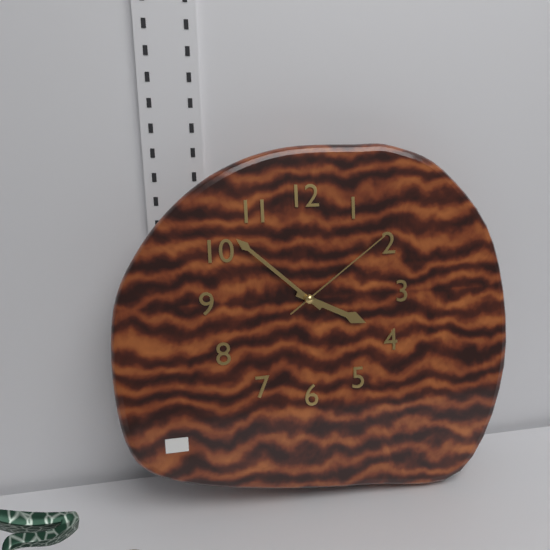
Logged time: {"hour": 3, "minute": 52, "second": 9}
